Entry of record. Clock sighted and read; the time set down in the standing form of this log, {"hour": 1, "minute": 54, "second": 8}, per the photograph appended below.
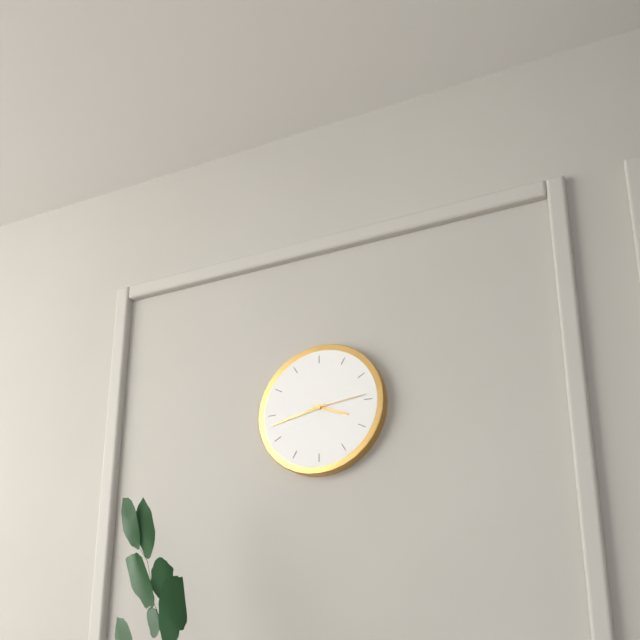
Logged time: {"hour": 3, "minute": 43, "second": 14}
